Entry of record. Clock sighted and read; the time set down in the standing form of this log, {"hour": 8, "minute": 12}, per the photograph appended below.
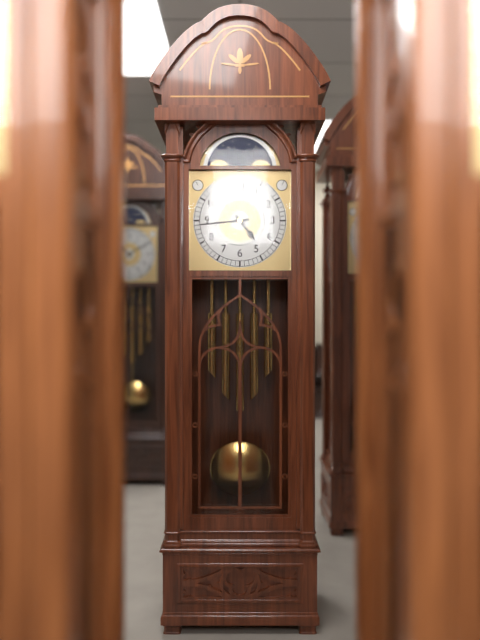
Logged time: {"hour": 4, "minute": 44}
